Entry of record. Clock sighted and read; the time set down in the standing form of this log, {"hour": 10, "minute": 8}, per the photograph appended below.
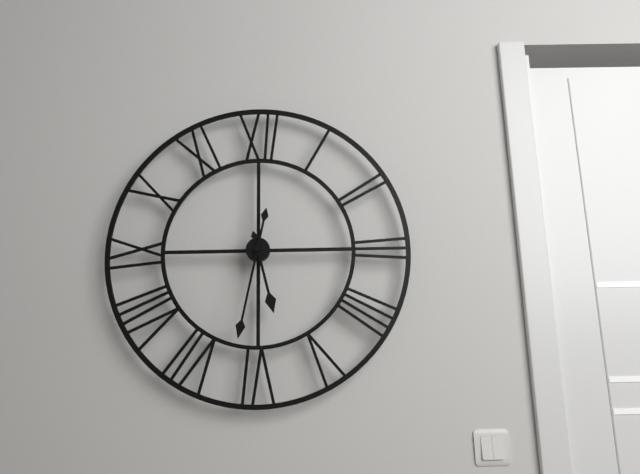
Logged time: {"hour": 5, "minute": 32}
